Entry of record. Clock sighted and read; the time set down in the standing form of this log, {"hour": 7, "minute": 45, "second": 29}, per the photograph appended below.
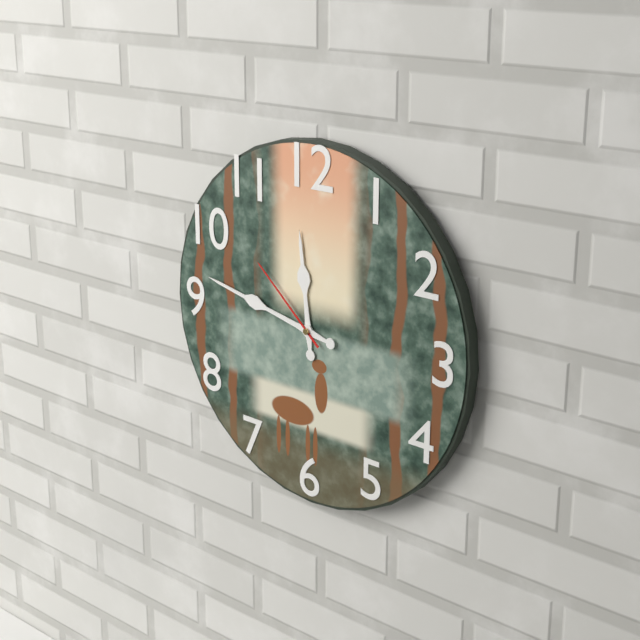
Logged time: {"hour": 11, "minute": 47, "second": 52}
